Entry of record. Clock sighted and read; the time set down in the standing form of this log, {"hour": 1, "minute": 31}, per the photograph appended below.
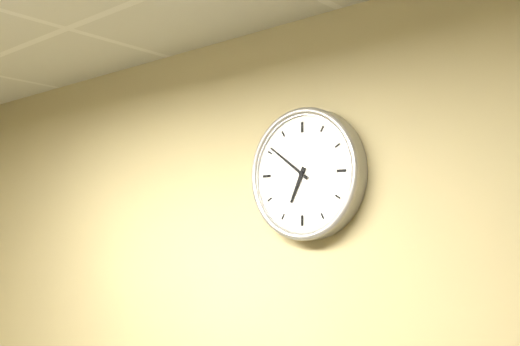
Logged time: {"hour": 6, "minute": 51}
